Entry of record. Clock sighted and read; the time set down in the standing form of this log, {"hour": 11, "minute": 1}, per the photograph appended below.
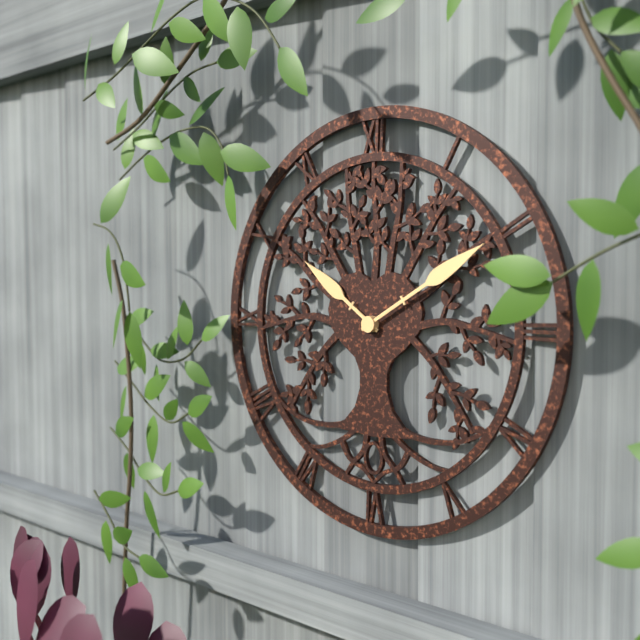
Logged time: {"hour": 10, "minute": 10}
